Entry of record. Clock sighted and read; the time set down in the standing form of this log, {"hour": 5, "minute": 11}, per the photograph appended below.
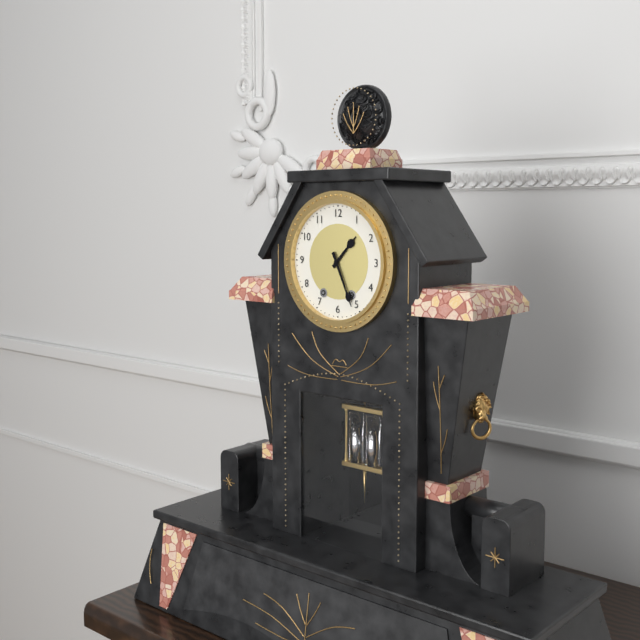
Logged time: {"hour": 1, "minute": 26}
